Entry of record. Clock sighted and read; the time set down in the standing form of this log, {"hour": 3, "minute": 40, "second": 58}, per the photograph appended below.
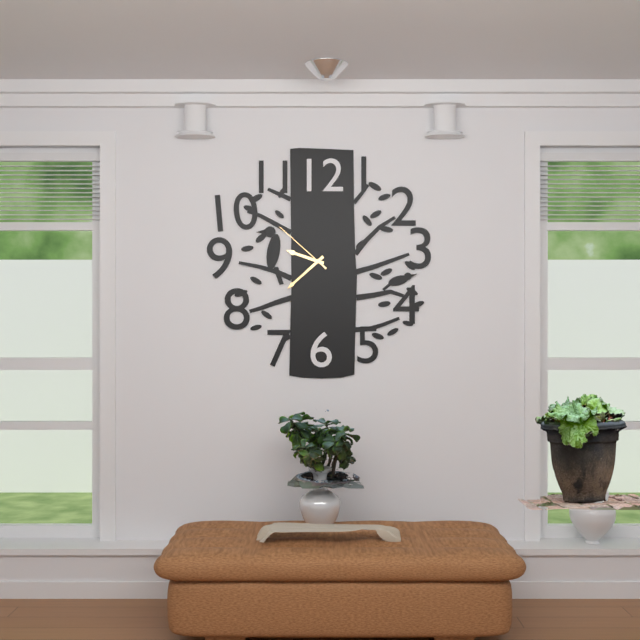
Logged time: {"hour": 9, "minute": 38, "second": 52}
